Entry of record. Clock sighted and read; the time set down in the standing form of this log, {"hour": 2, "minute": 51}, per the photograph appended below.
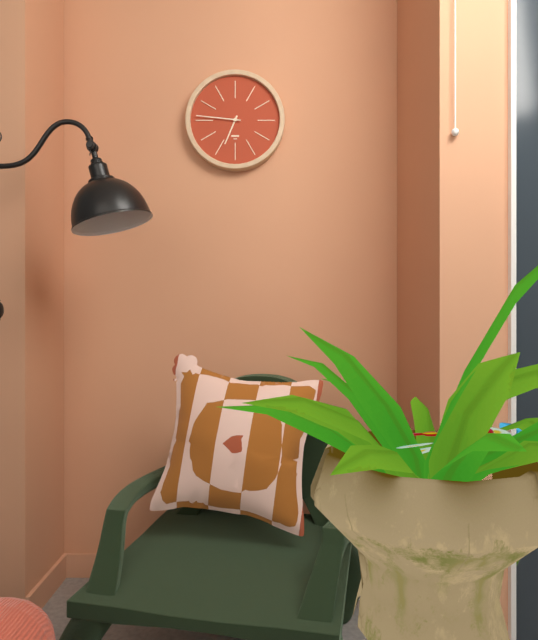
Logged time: {"hour": 6, "minute": 46}
